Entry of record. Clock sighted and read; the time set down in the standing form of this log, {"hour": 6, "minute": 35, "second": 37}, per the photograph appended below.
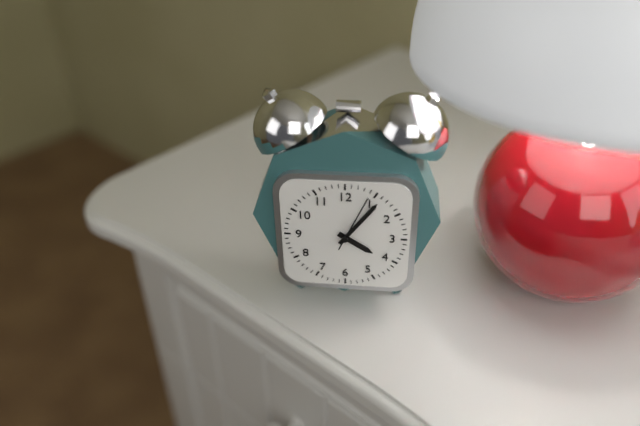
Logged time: {"hour": 4, "minute": 6, "second": 4}
